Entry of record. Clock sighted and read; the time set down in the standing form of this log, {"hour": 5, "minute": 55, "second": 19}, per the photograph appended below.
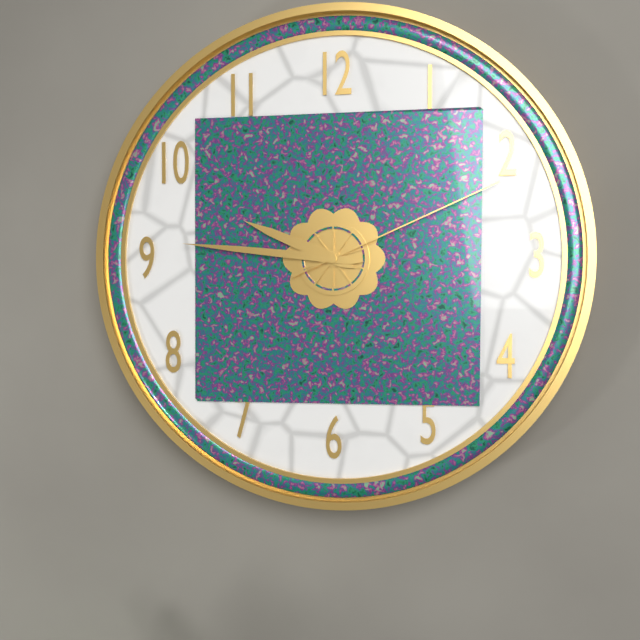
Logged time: {"hour": 9, "minute": 46, "second": 11}
